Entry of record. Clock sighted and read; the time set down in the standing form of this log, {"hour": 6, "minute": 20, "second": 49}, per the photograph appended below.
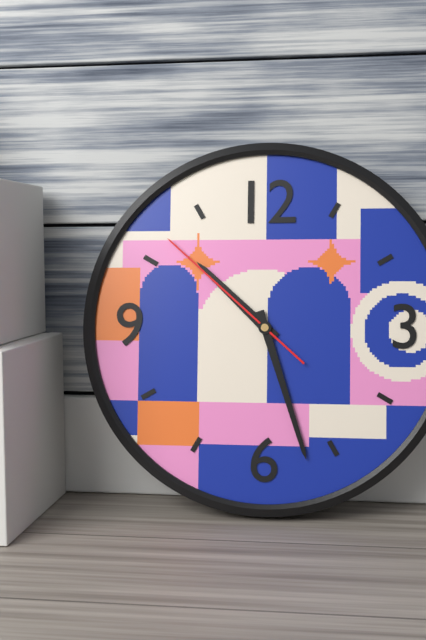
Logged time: {"hour": 10, "minute": 27, "second": 52}
